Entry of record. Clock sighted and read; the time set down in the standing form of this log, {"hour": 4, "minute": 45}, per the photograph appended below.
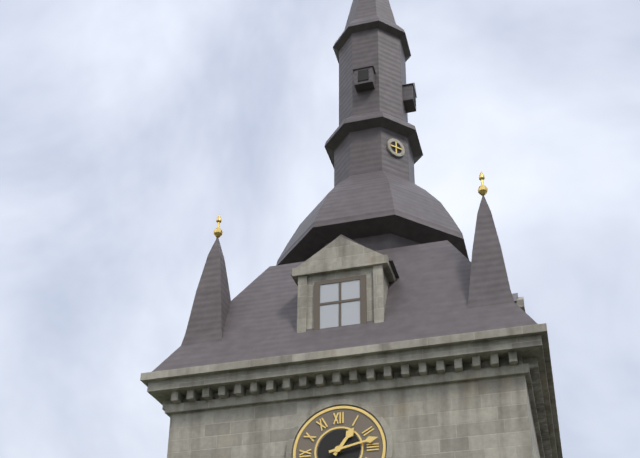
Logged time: {"hour": 1, "minute": 13}
